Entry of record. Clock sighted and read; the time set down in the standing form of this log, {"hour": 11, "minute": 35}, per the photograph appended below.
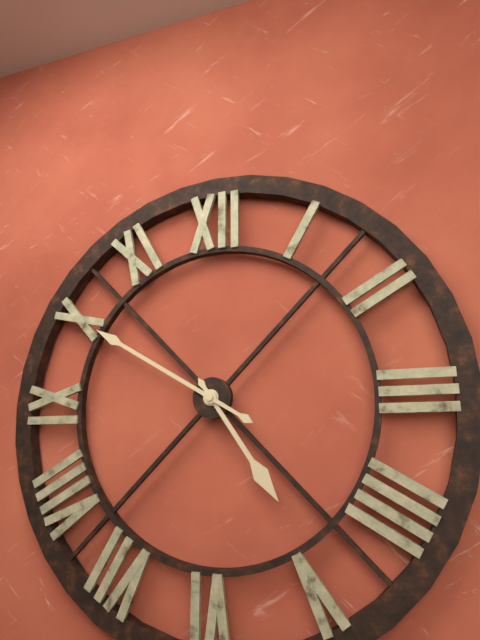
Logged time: {"hour": 4, "minute": 50}
